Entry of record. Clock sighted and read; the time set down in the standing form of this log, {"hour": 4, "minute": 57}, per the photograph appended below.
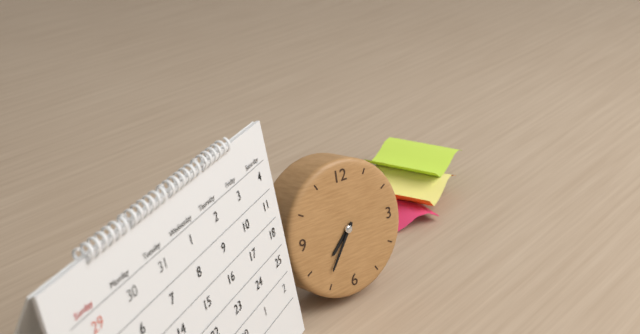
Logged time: {"hour": 7, "minute": 36}
